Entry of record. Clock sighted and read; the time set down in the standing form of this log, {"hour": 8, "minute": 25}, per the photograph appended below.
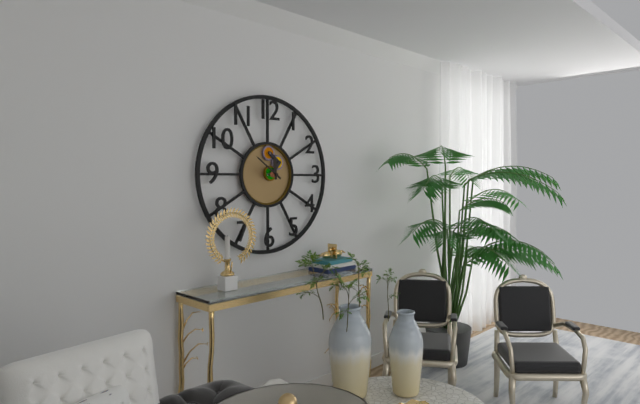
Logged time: {"hour": 11, "minute": 51}
